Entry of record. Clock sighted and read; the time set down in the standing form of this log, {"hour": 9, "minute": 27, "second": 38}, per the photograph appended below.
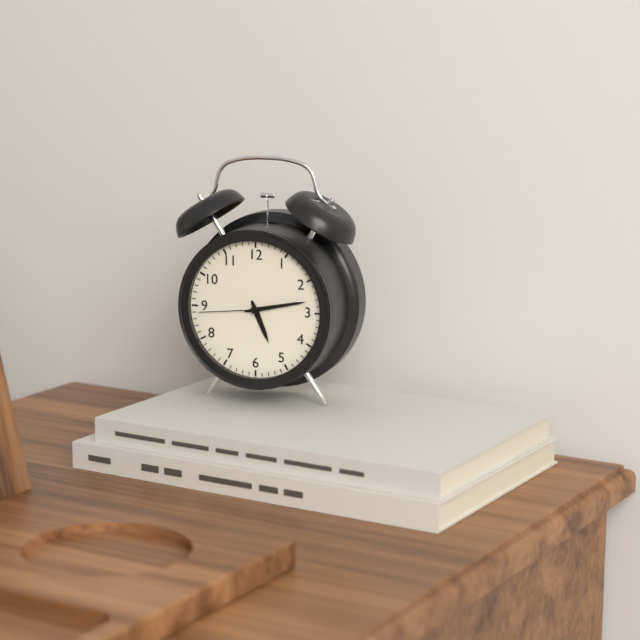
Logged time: {"hour": 5, "minute": 13, "second": 44}
